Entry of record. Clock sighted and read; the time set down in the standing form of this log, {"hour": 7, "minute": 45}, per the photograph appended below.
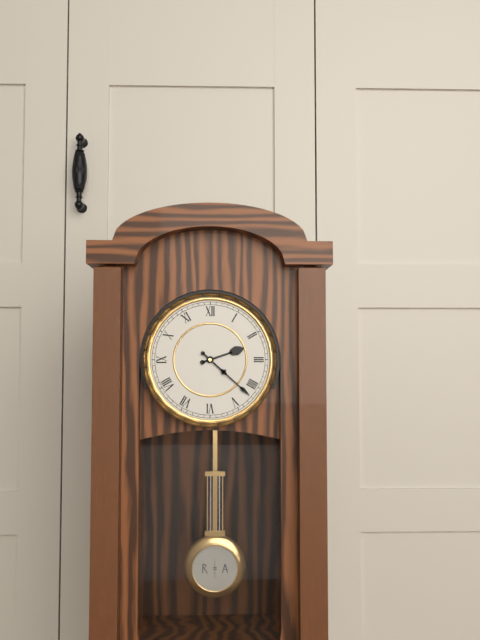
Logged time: {"hour": 2, "minute": 22}
